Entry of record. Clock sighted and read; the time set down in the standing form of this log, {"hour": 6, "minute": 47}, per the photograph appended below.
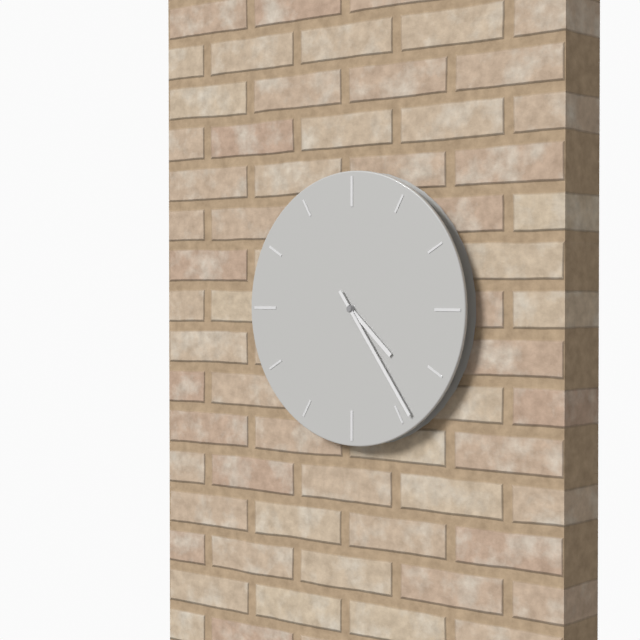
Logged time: {"hour": 4, "minute": 24}
